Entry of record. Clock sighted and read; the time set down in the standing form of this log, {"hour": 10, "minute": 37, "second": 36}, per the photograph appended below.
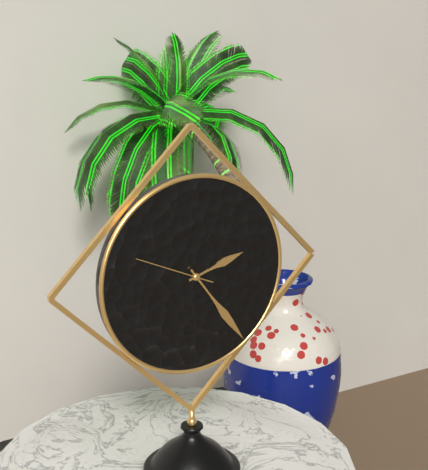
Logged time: {"hour": 2, "minute": 24, "second": 49}
